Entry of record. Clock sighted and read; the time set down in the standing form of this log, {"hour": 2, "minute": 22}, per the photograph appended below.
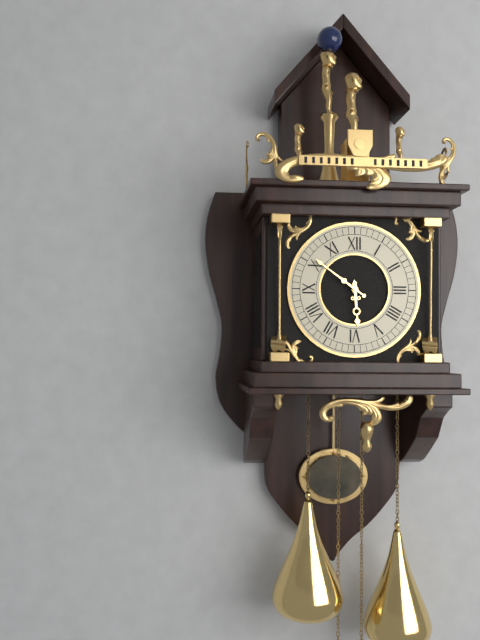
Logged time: {"hour": 5, "minute": 51}
